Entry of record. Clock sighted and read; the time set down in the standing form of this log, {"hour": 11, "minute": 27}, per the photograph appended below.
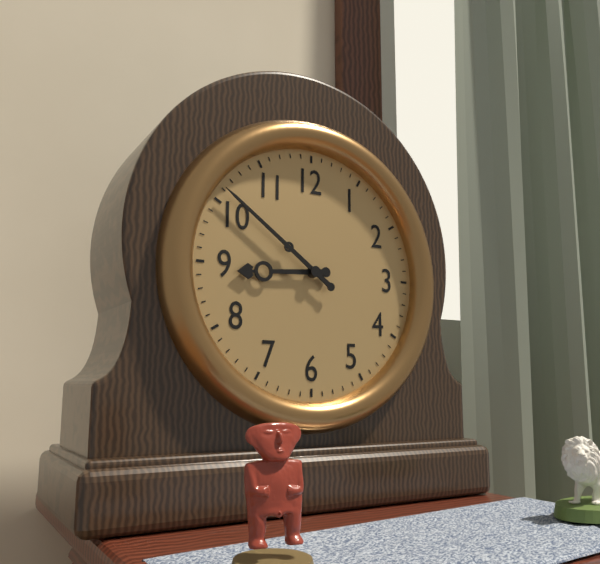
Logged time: {"hour": 8, "minute": 51}
